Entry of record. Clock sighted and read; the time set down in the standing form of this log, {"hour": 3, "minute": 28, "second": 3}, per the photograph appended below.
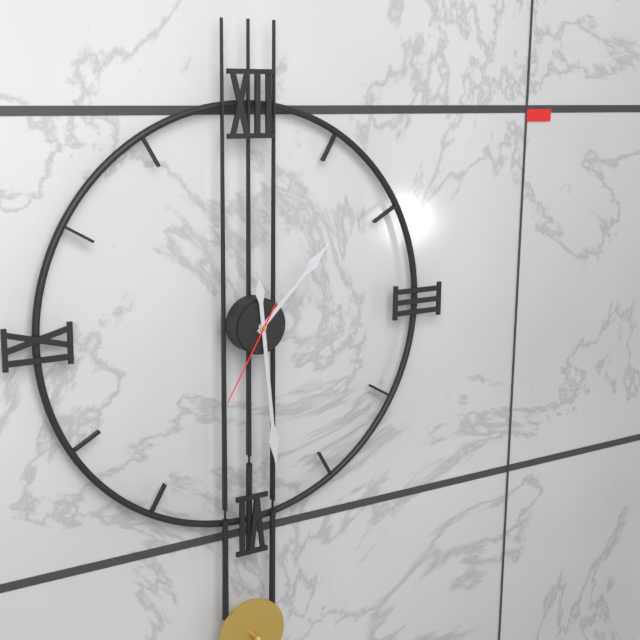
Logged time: {"hour": 1, "minute": 29, "second": 35}
